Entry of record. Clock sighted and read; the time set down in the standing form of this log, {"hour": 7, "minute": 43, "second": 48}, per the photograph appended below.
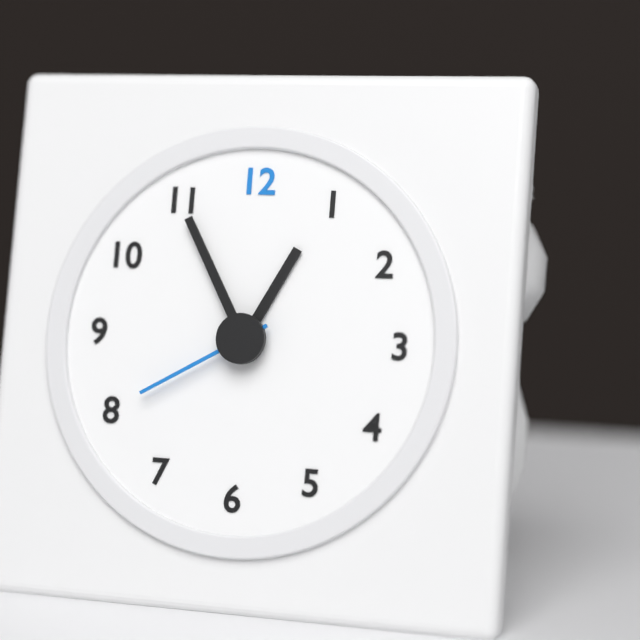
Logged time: {"hour": 12, "minute": 55, "second": 40}
